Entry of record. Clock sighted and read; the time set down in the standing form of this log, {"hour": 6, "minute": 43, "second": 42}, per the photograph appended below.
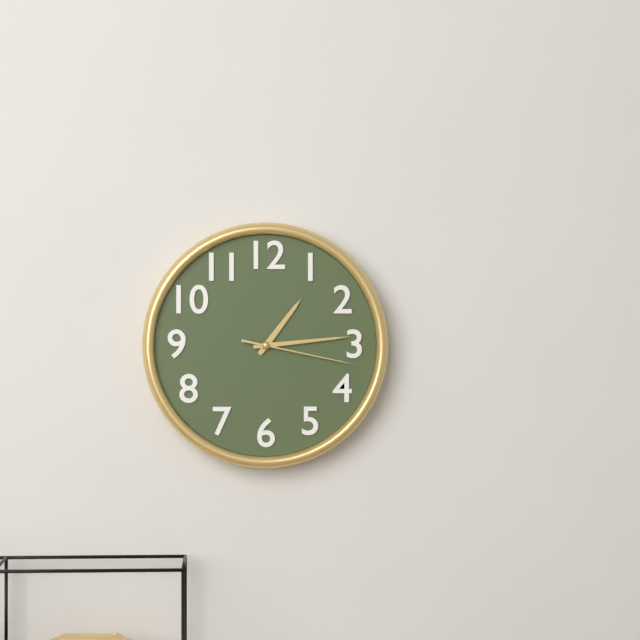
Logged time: {"hour": 1, "minute": 14, "second": 17}
